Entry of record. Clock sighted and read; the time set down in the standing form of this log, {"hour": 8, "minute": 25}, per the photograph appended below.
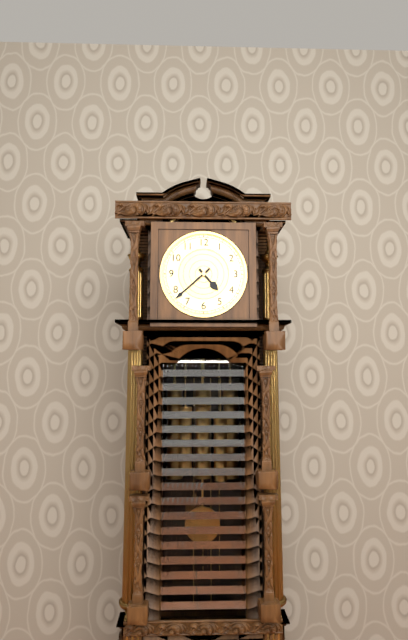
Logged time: {"hour": 4, "minute": 38}
